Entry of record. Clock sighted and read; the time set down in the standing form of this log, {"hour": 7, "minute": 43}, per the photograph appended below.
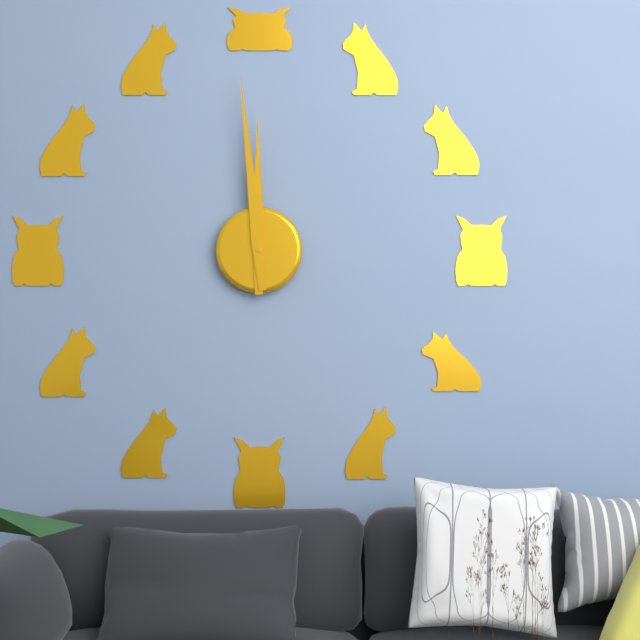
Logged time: {"hour": 11, "minute": 59}
